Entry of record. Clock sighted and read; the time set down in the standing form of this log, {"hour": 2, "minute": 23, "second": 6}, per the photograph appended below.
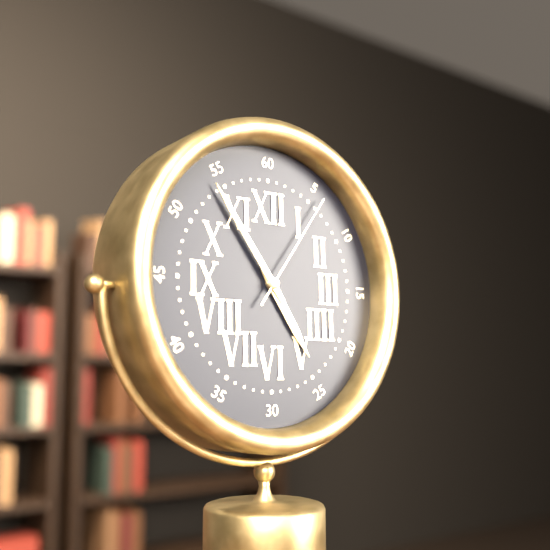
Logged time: {"hour": 4, "minute": 54, "second": 6}
